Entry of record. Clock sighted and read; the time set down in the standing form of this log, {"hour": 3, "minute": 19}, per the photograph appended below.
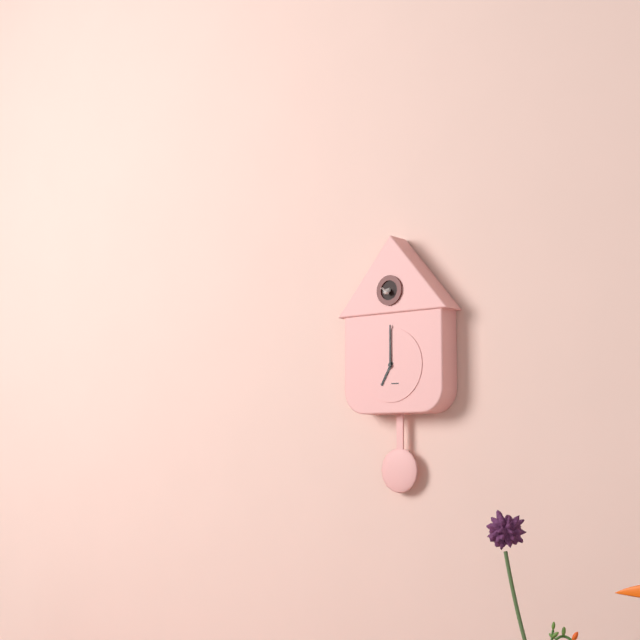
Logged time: {"hour": 7, "minute": 0}
